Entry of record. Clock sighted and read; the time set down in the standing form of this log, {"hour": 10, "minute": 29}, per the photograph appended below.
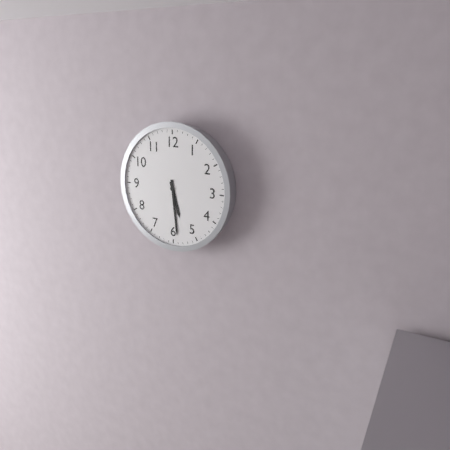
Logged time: {"hour": 5, "minute": 29}
